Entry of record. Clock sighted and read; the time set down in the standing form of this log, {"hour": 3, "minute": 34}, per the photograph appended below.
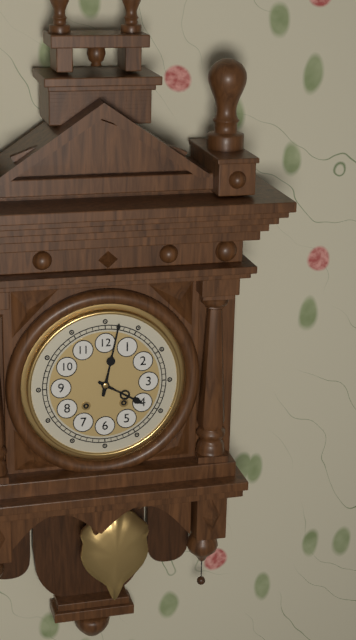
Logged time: {"hour": 4, "minute": 2}
